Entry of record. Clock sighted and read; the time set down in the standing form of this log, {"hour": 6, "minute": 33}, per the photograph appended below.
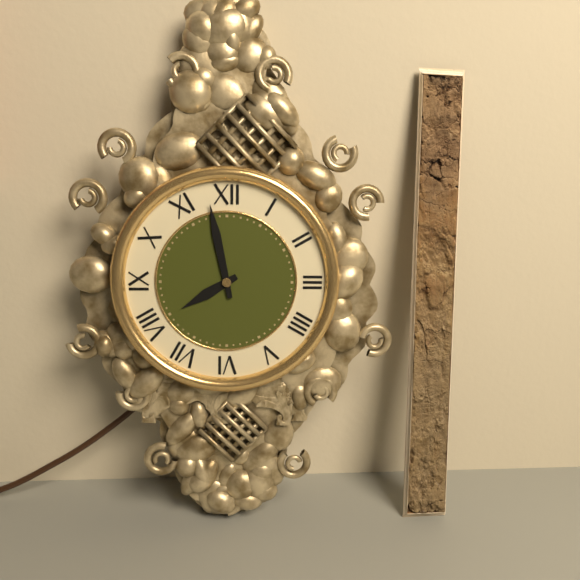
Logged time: {"hour": 7, "minute": 58}
